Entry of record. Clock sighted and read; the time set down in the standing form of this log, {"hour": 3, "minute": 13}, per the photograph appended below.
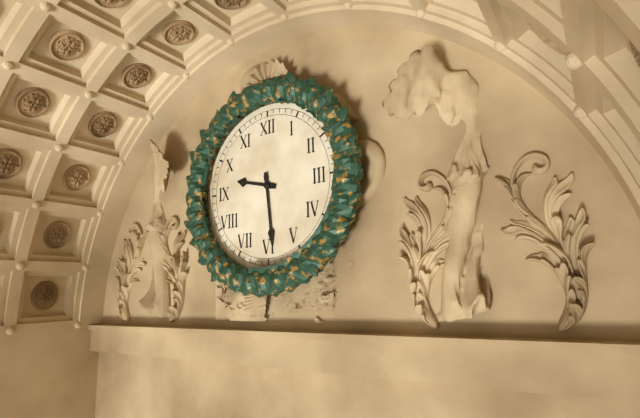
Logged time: {"hour": 9, "minute": 29}
